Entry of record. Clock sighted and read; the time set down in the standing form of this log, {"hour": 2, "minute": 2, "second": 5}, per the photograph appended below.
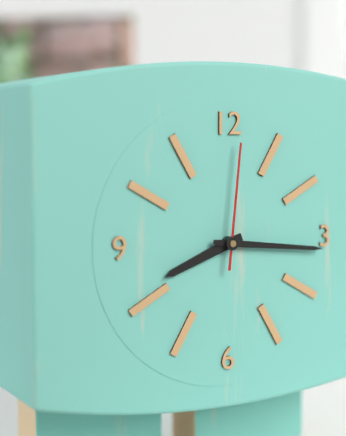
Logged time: {"hour": 8, "minute": 16, "second": 1}
